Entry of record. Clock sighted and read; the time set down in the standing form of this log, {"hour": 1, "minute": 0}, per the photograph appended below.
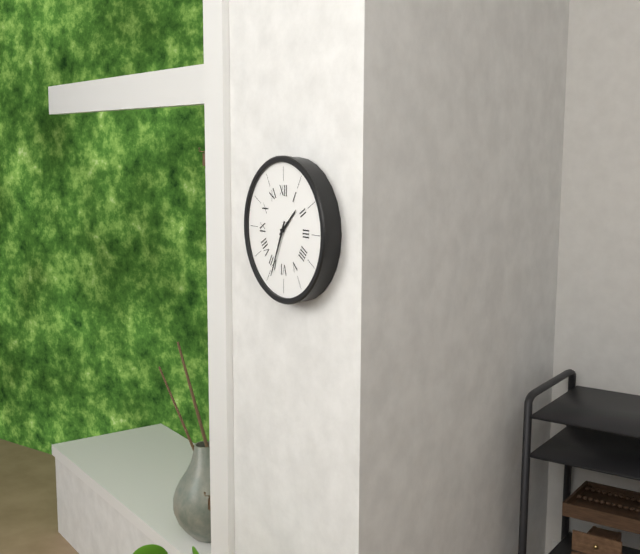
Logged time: {"hour": 1, "minute": 34}
